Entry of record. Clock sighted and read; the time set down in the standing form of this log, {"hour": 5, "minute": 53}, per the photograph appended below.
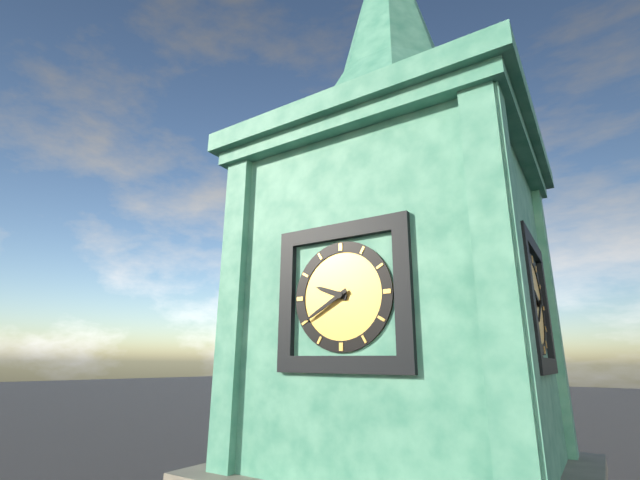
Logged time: {"hour": 9, "minute": 40}
